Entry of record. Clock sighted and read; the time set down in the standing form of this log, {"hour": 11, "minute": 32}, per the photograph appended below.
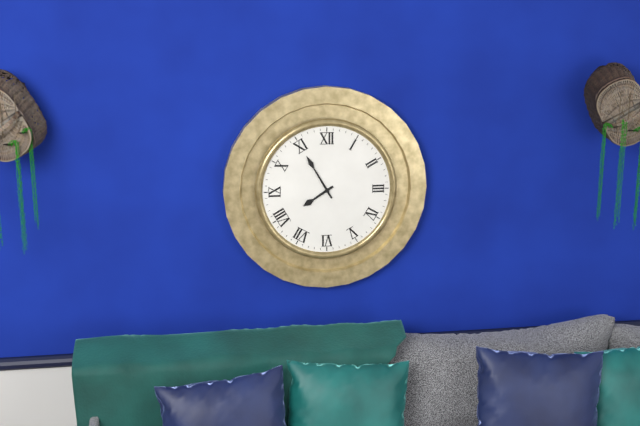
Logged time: {"hour": 7, "minute": 55}
